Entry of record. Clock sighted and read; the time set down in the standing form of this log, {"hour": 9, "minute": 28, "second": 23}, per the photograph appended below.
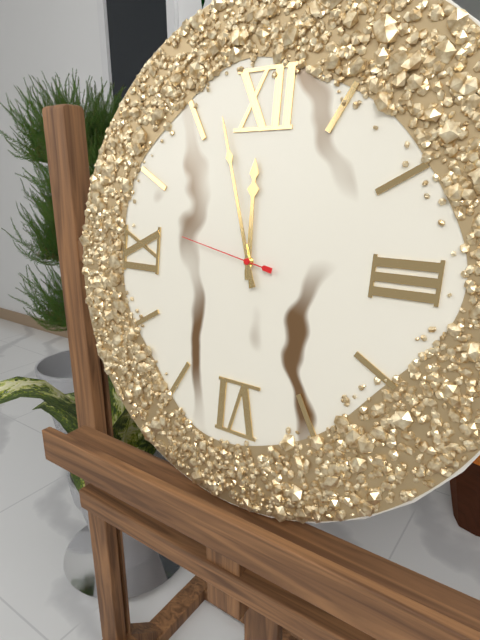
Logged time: {"hour": 11, "minute": 57, "second": 47}
